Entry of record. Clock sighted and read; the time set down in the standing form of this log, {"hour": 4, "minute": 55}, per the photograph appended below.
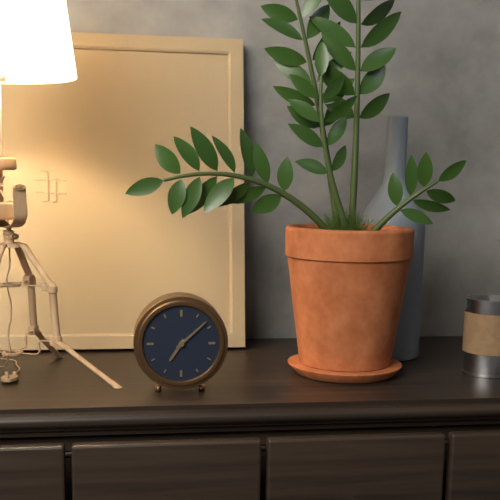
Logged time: {"hour": 7, "minute": 8}
